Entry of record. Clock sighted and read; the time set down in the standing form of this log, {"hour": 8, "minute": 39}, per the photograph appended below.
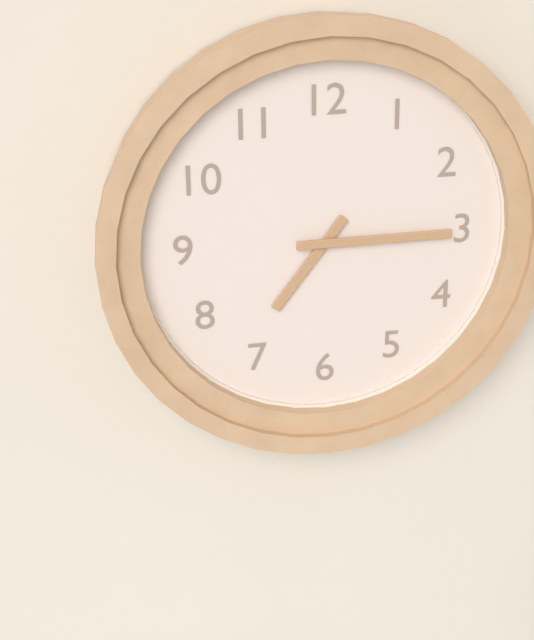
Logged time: {"hour": 7, "minute": 15}
